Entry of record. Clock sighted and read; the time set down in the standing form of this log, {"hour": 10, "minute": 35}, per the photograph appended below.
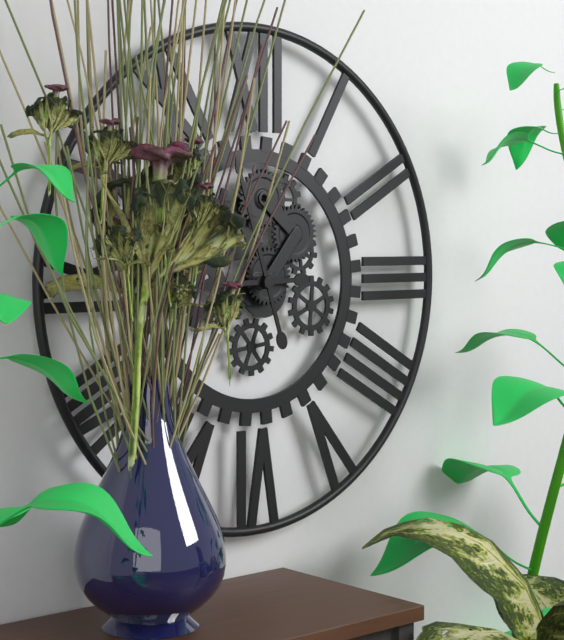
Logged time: {"hour": 8, "minute": 57}
